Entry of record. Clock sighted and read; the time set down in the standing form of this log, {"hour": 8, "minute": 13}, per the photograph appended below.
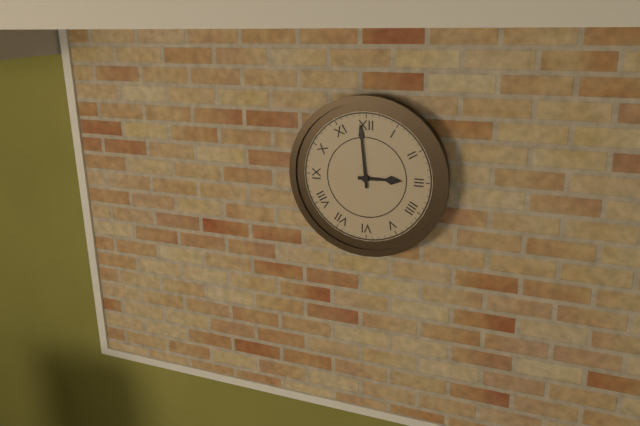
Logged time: {"hour": 2, "minute": 59}
